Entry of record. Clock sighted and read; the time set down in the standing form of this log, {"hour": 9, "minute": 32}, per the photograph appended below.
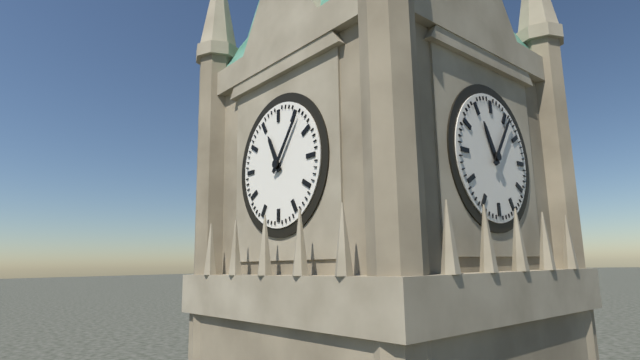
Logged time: {"hour": 11, "minute": 6}
